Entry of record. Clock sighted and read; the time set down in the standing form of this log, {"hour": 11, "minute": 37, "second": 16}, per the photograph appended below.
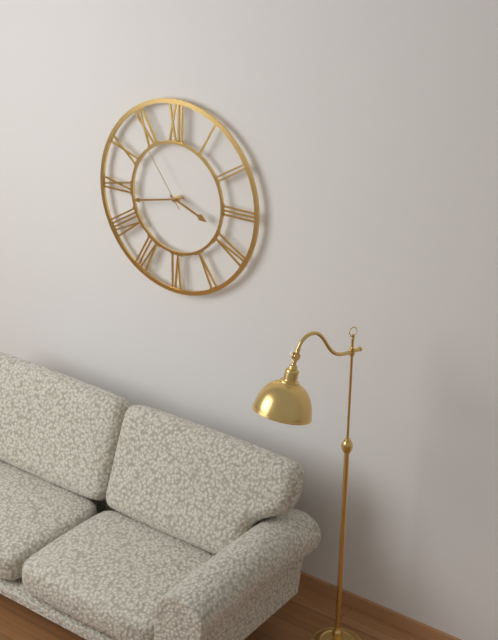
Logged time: {"hour": 3, "minute": 43, "second": 54}
